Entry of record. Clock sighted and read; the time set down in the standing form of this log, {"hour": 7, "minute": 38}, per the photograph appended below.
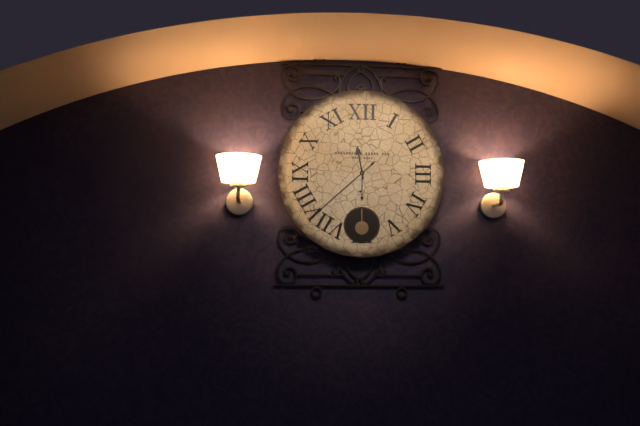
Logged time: {"hour": 11, "minute": 38}
